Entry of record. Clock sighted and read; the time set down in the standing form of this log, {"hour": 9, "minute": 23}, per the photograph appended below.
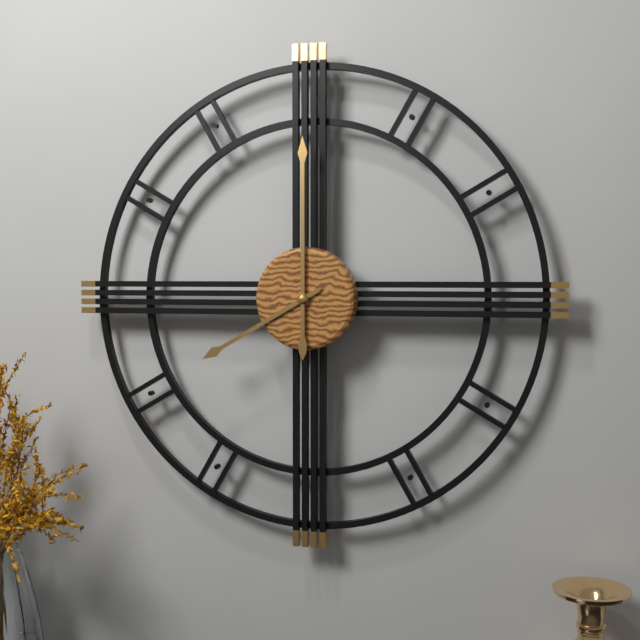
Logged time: {"hour": 8, "minute": 0}
